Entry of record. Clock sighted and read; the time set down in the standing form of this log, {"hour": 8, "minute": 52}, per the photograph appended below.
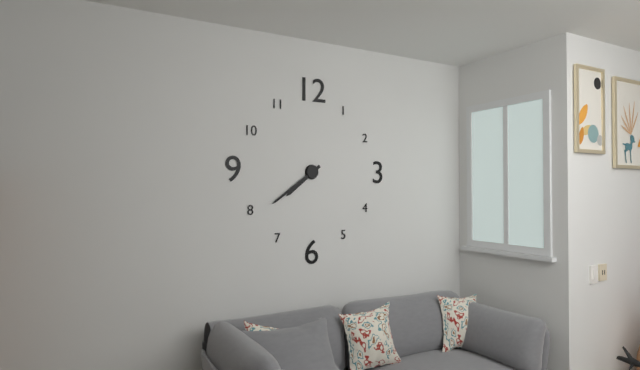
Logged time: {"hour": 7, "minute": 39}
